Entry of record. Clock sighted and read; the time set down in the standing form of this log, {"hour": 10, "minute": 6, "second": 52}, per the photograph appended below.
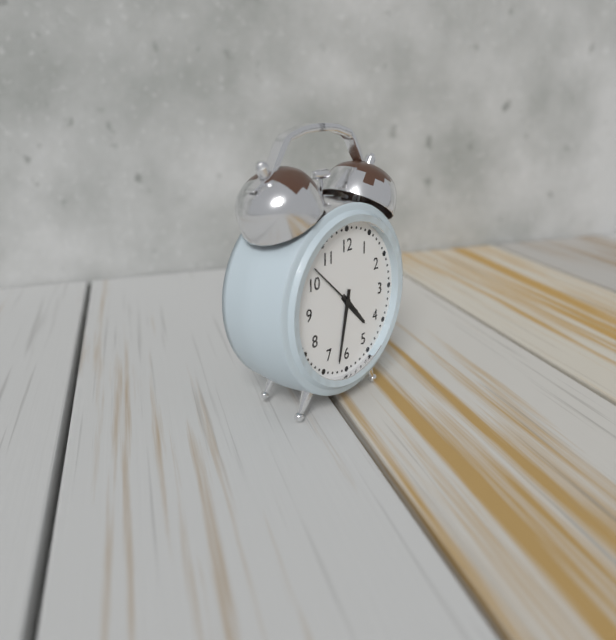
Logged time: {"hour": 4, "minute": 32, "second": 52}
